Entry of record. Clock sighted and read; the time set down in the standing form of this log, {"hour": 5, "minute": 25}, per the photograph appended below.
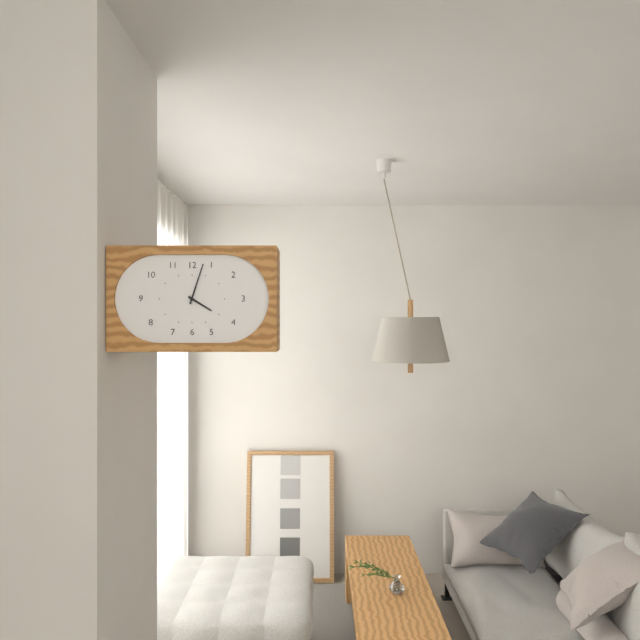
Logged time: {"hour": 4, "minute": 3}
